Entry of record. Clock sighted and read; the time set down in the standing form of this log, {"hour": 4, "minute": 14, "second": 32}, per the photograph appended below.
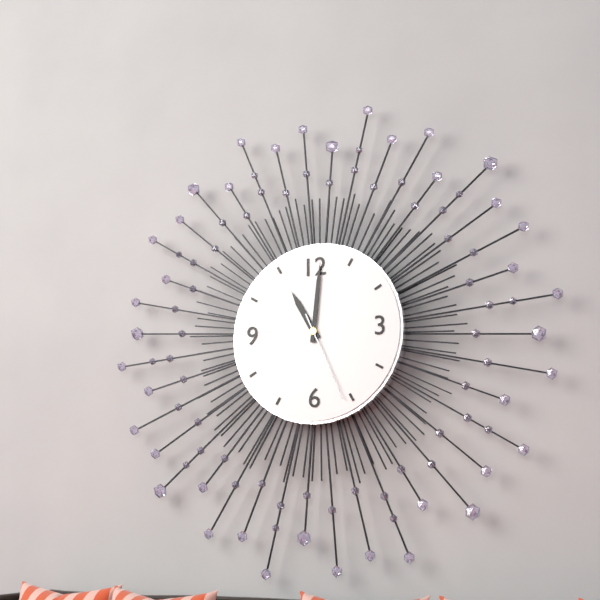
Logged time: {"hour": 11, "minute": 1, "second": 26}
